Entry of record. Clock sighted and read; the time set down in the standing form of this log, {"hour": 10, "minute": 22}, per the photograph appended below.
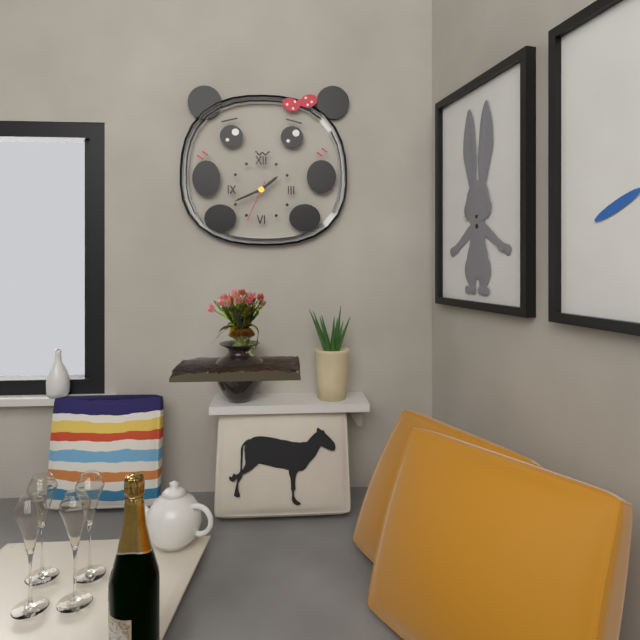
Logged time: {"hour": 1, "minute": 41}
